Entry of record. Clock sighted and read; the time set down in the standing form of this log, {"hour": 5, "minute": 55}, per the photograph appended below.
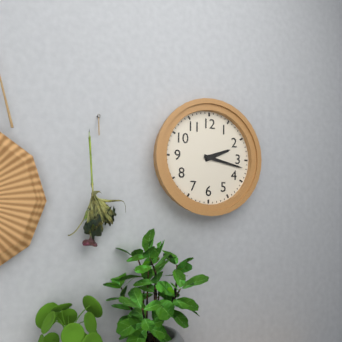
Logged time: {"hour": 2, "minute": 17}
